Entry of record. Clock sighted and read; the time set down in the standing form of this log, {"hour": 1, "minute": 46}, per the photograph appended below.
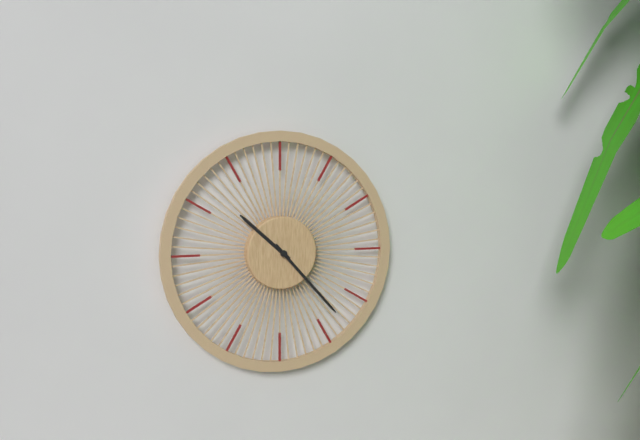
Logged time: {"hour": 10, "minute": 23}
